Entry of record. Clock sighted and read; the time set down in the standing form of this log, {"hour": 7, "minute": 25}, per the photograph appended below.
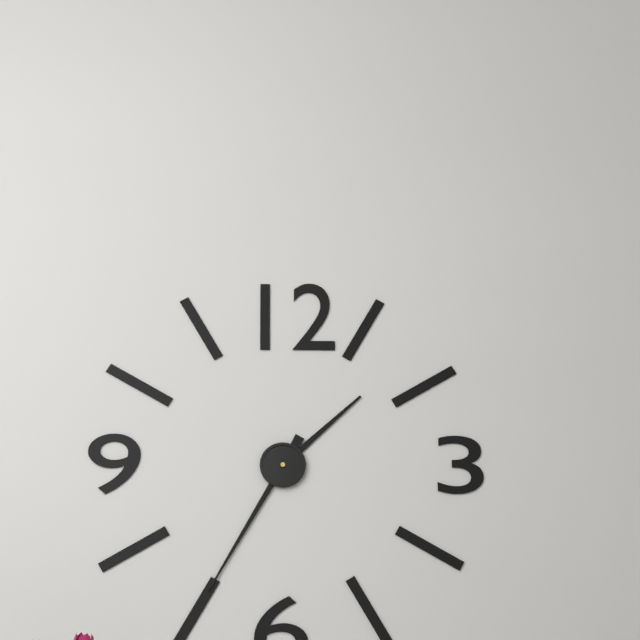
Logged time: {"hour": 1, "minute": 35}
